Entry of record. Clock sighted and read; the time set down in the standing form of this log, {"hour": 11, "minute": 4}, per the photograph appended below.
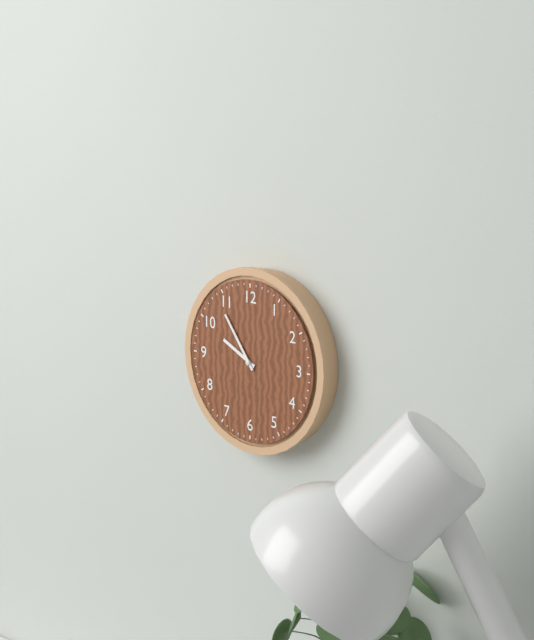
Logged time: {"hour": 9, "minute": 54}
